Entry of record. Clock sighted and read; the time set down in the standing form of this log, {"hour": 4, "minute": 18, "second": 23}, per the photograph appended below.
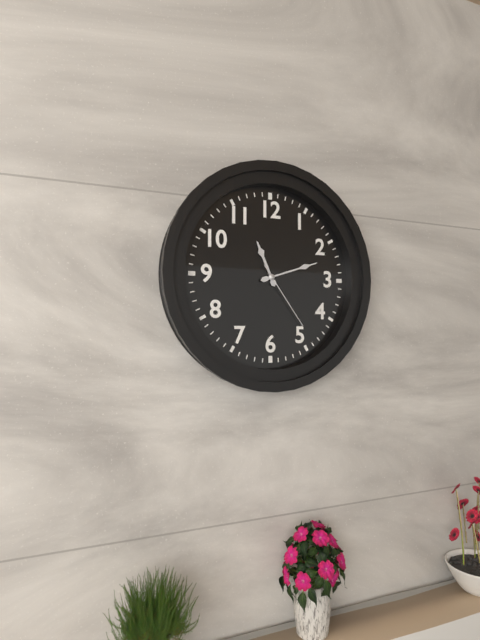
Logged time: {"hour": 11, "minute": 12, "second": 24}
